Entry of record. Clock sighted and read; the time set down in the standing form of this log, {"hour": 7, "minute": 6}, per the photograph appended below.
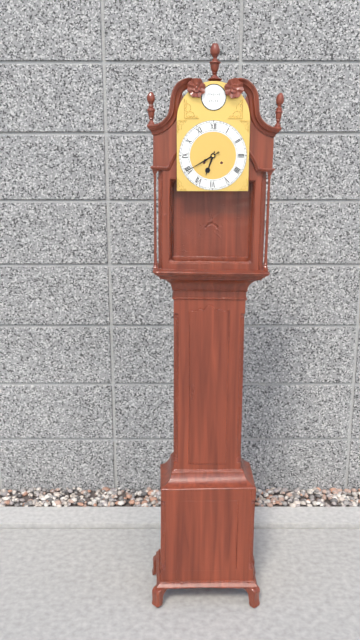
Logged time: {"hour": 6, "minute": 40}
